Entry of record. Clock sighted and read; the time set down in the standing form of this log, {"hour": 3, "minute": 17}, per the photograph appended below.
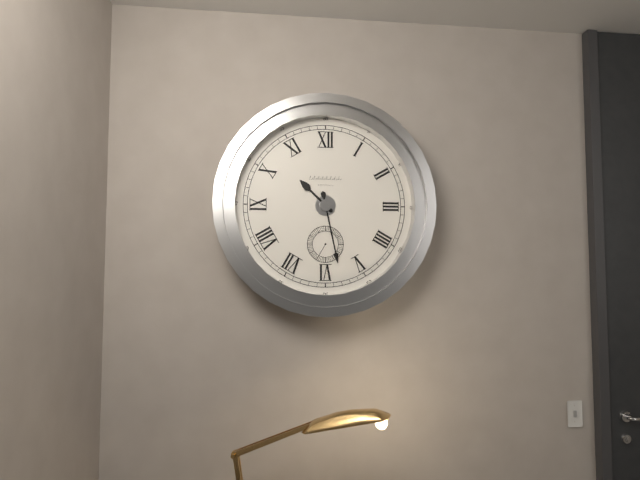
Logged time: {"hour": 10, "minute": 28}
